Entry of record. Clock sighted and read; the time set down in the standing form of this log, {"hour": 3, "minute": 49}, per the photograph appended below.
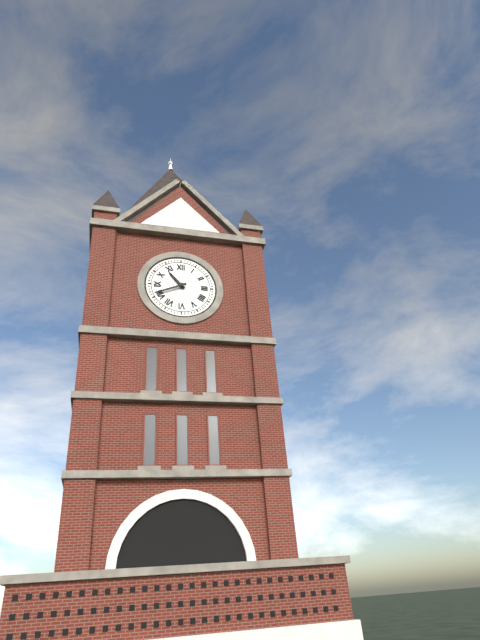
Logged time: {"hour": 10, "minute": 41}
